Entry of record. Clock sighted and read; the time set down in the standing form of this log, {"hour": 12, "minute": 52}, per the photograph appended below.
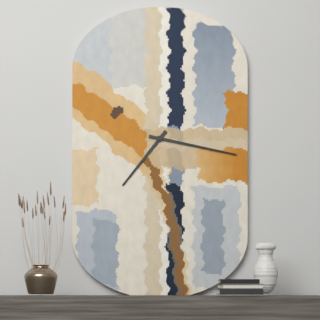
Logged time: {"hour": 7, "minute": 17}
